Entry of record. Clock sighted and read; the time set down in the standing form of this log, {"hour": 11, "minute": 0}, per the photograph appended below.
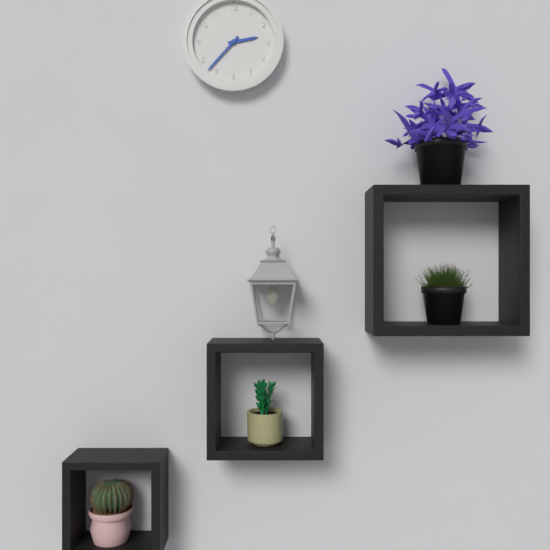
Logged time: {"hour": 2, "minute": 37}
